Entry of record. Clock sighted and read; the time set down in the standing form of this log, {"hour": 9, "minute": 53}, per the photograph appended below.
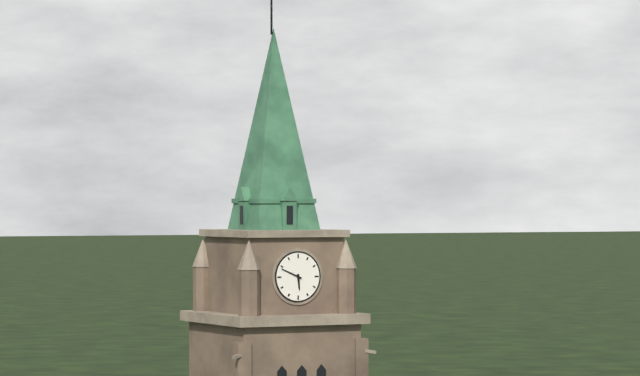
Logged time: {"hour": 5, "minute": 49}
